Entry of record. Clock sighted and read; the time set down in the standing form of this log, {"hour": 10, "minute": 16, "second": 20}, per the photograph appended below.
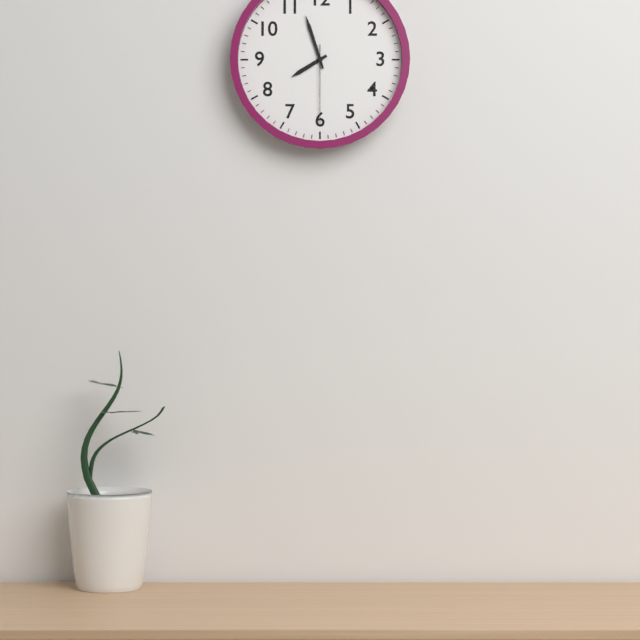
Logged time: {"hour": 7, "minute": 57, "second": 30}
